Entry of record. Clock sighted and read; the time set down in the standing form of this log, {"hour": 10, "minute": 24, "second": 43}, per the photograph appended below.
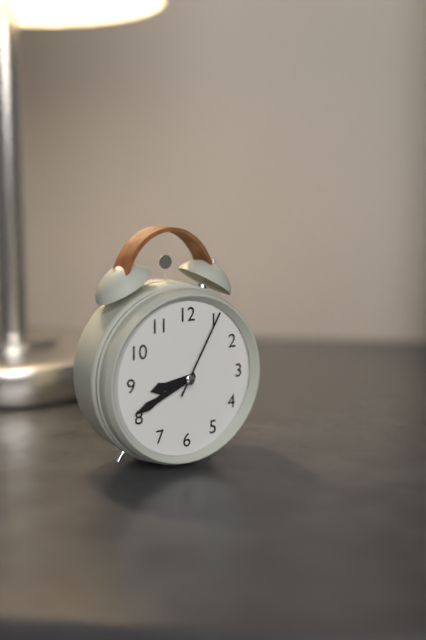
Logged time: {"hour": 8, "minute": 41, "second": 5}
